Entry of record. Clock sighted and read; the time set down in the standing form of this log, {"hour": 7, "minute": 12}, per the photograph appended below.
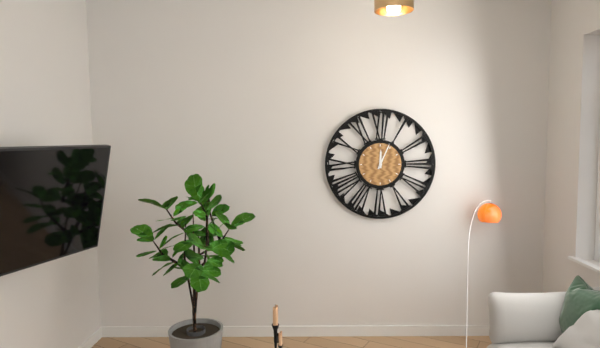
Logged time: {"hour": 12, "minute": 4}
